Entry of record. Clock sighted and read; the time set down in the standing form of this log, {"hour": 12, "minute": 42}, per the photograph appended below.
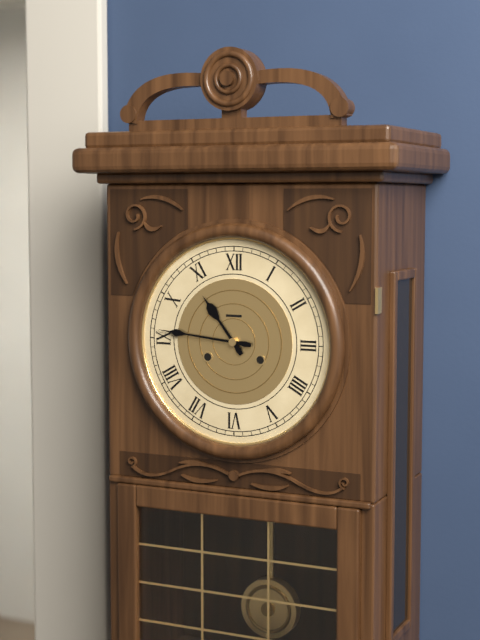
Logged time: {"hour": 10, "minute": 46}
